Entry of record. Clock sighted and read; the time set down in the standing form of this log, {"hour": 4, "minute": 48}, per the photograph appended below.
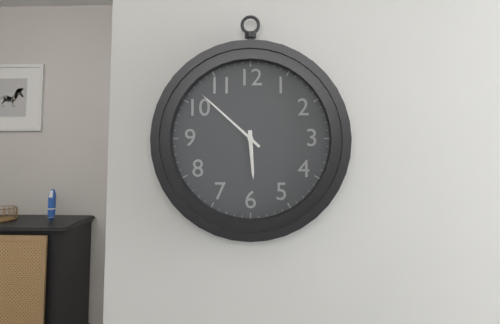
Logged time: {"hour": 5, "minute": 52}
